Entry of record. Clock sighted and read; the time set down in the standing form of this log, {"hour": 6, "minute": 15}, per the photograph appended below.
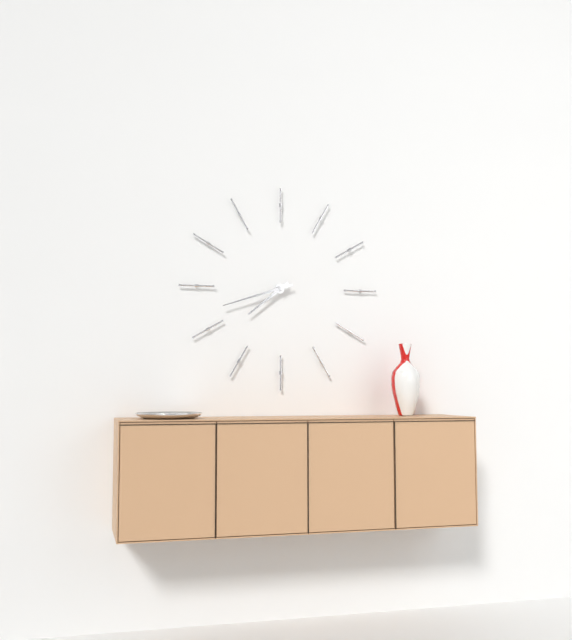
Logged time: {"hour": 7, "minute": 42}
